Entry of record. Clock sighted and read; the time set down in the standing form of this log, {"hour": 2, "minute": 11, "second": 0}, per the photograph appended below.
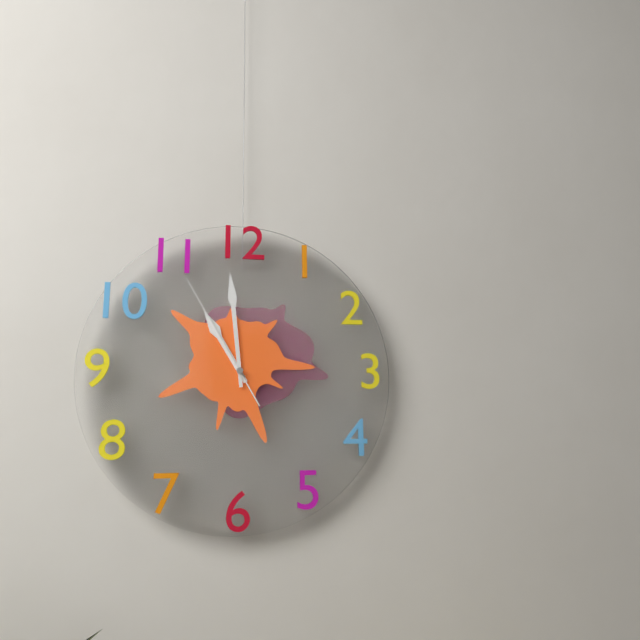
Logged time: {"hour": 10, "minute": 59, "second": 55}
